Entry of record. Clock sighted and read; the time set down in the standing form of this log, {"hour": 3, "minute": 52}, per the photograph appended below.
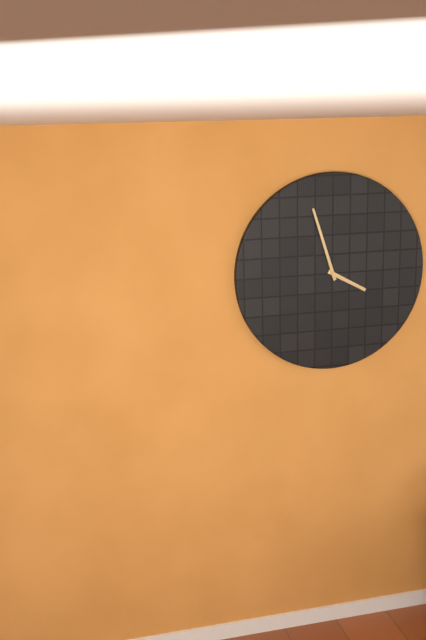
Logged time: {"hour": 3, "minute": 57}
